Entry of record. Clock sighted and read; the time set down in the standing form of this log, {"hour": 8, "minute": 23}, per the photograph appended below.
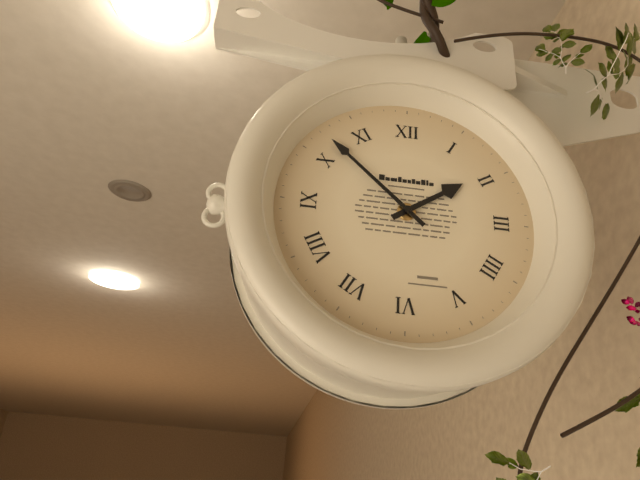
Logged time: {"hour": 1, "minute": 52}
